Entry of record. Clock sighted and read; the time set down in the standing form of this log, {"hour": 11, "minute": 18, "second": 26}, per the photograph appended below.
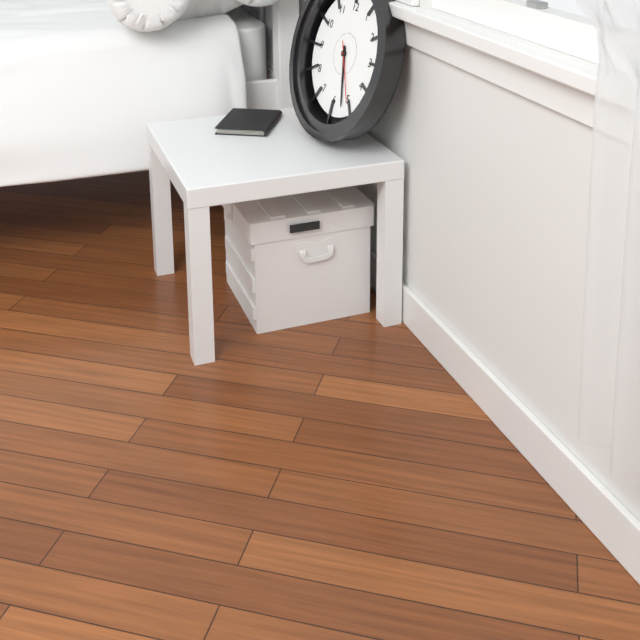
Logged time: {"hour": 5, "minute": 27, "second": 25}
